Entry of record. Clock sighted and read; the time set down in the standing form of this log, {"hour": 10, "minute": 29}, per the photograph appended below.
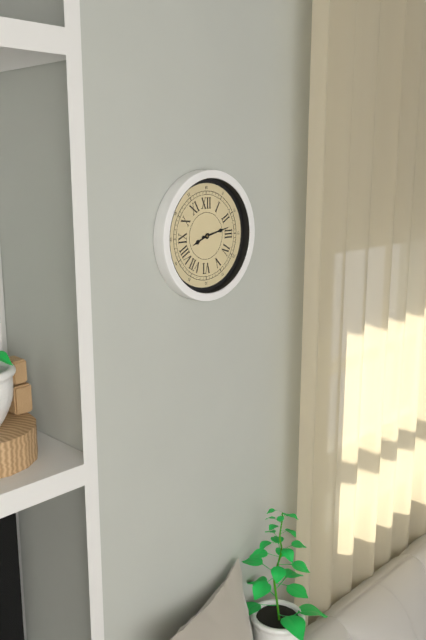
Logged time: {"hour": 8, "minute": 13}
